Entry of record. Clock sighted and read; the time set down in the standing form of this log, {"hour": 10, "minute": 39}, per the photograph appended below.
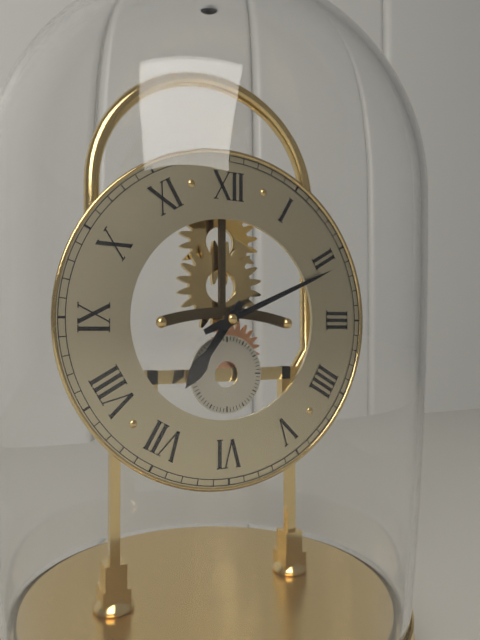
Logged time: {"hour": 7, "minute": 11}
